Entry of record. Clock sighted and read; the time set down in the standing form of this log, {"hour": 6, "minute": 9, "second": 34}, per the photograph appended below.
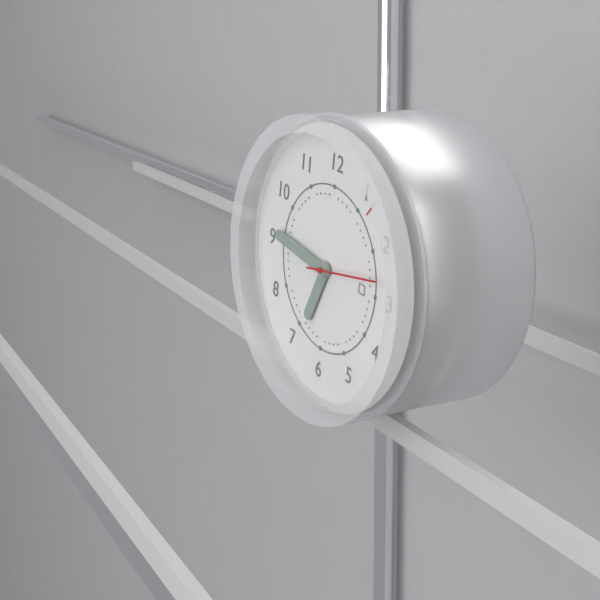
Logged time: {"hour": 6, "minute": 46, "second": 13}
